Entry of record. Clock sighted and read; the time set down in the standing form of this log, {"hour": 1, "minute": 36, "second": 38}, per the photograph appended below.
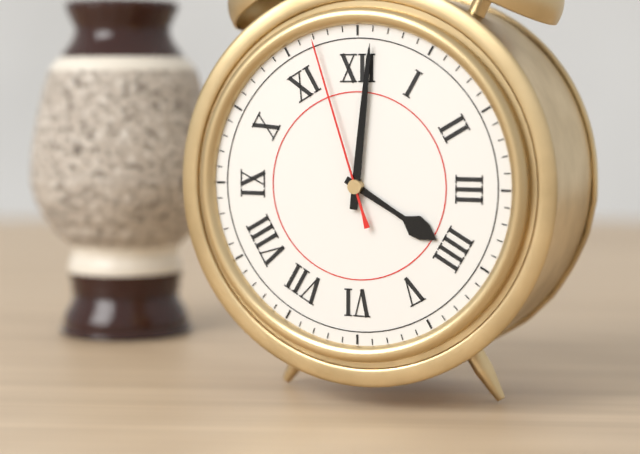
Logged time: {"hour": 4, "minute": 1, "second": 57}
